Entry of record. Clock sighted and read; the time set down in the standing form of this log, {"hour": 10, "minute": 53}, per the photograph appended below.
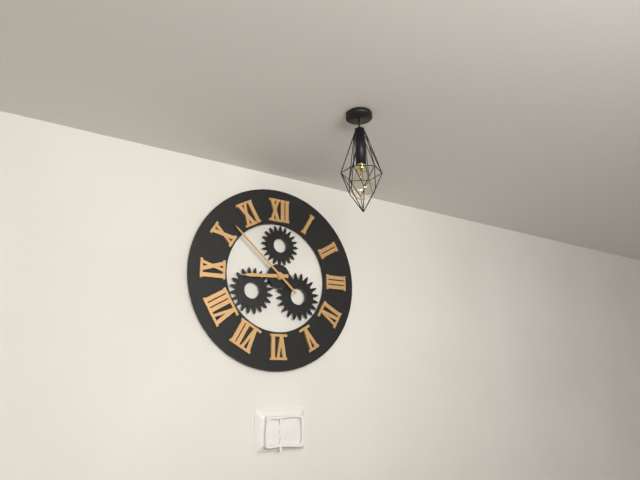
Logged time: {"hour": 8, "minute": 52}
